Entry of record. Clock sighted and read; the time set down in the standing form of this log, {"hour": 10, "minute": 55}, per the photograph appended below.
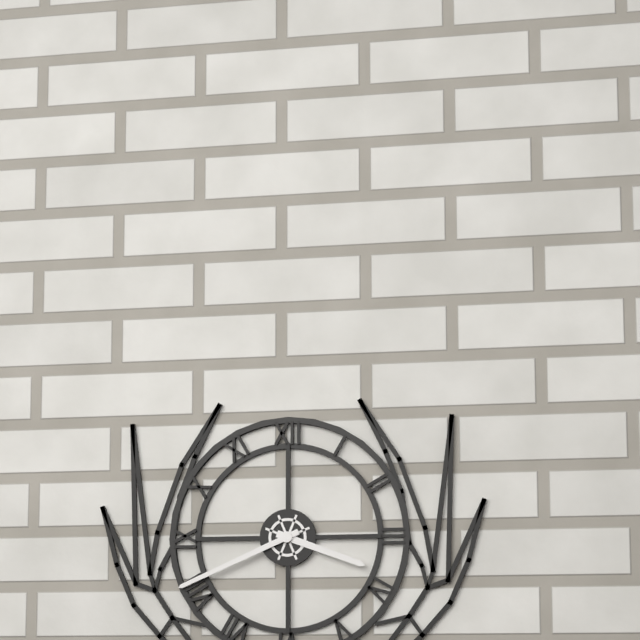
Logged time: {"hour": 3, "minute": 41}
